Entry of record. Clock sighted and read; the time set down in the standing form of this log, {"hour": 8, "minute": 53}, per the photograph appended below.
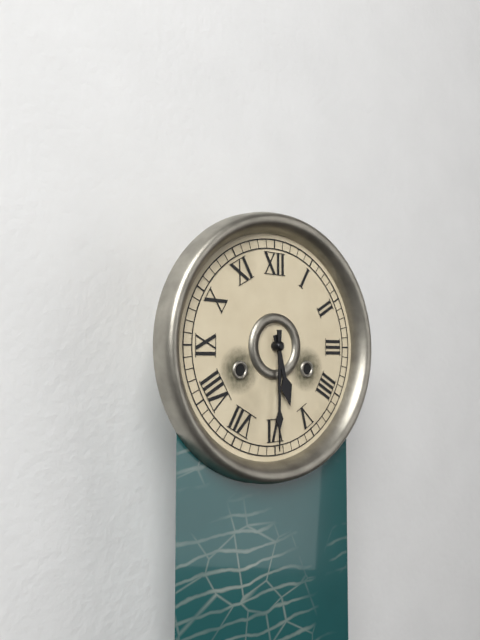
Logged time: {"hour": 5, "minute": 30}
